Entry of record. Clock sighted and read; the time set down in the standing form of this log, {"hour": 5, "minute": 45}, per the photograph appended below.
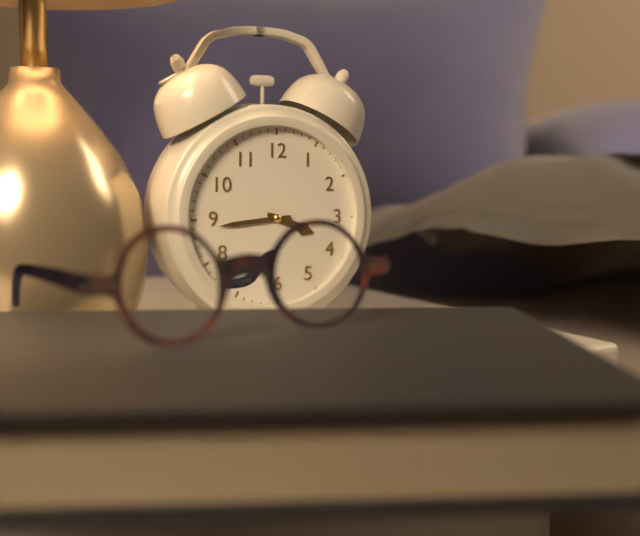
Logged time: {"hour": 3, "minute": 44}
